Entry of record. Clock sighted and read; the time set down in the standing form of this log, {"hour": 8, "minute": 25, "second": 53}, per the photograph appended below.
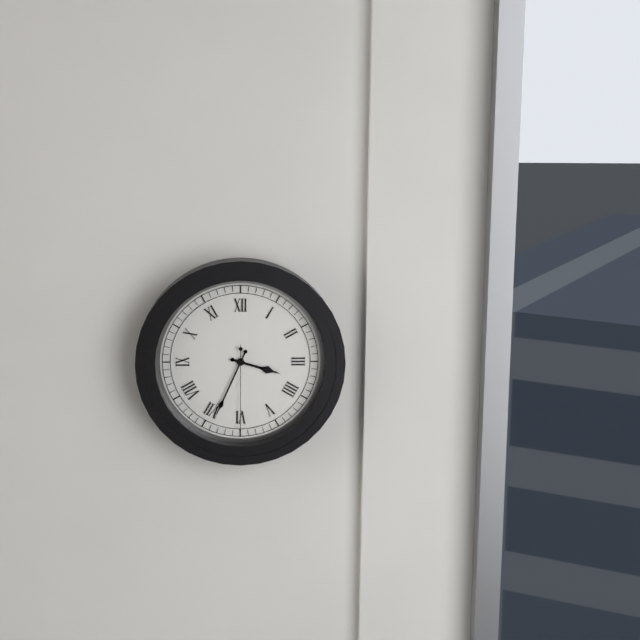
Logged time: {"hour": 3, "minute": 34, "second": 30}
